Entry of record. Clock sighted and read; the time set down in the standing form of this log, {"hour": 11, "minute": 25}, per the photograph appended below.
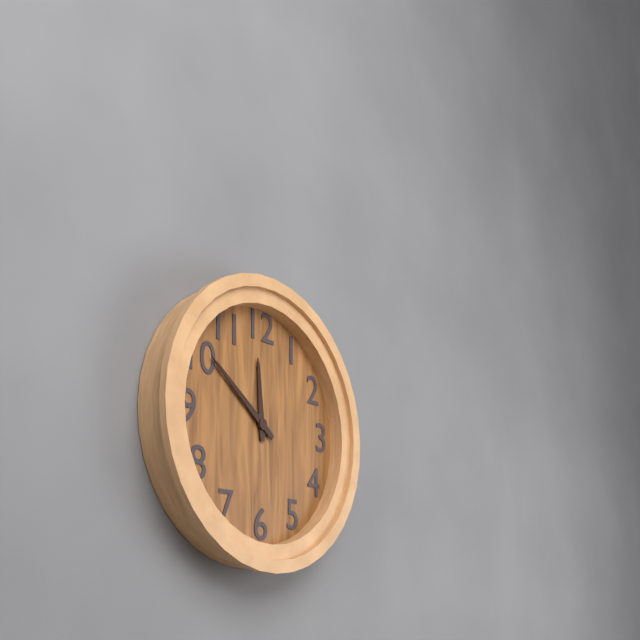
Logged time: {"hour": 11, "minute": 51}
